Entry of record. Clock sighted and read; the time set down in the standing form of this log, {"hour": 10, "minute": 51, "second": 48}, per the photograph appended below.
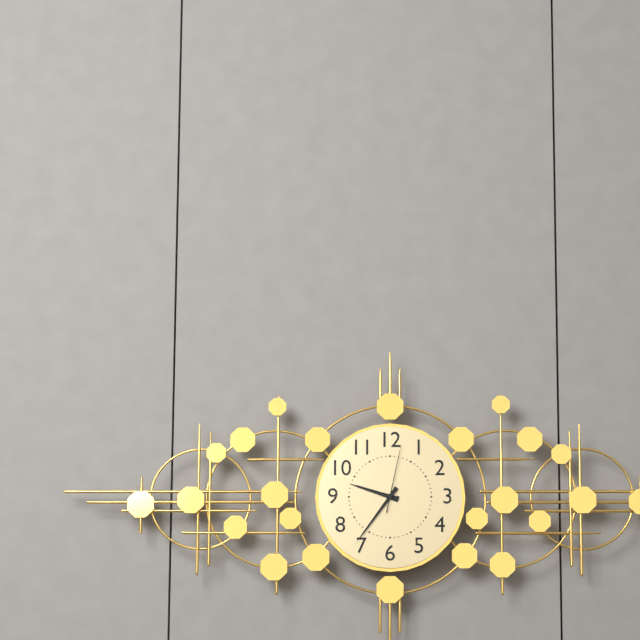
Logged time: {"hour": 9, "minute": 36, "second": 2}
